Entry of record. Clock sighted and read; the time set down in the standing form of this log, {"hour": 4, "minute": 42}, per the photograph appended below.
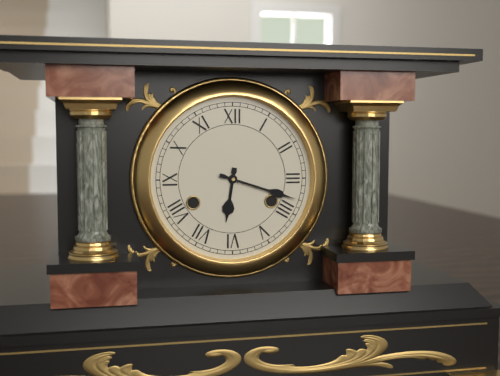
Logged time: {"hour": 6, "minute": 18}
